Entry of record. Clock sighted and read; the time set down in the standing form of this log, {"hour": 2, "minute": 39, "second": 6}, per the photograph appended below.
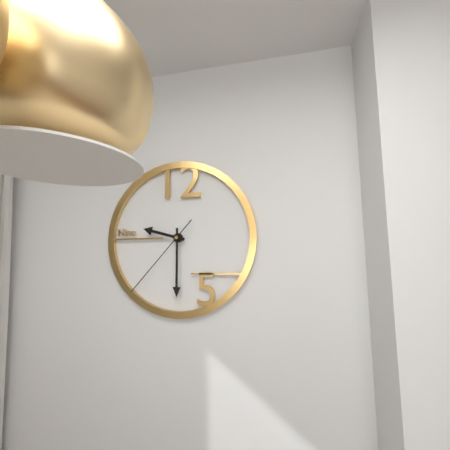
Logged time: {"hour": 9, "minute": 30, "second": 37}
